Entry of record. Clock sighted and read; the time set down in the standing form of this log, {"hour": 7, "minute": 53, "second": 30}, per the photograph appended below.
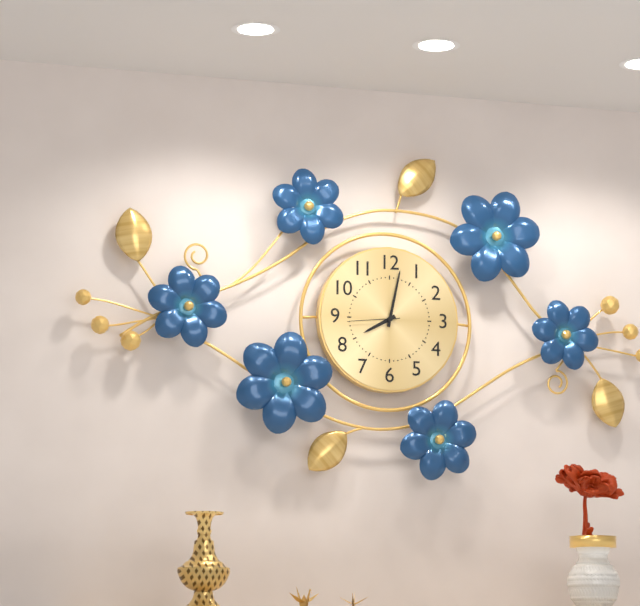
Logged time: {"hour": 8, "minute": 2, "second": 44}
